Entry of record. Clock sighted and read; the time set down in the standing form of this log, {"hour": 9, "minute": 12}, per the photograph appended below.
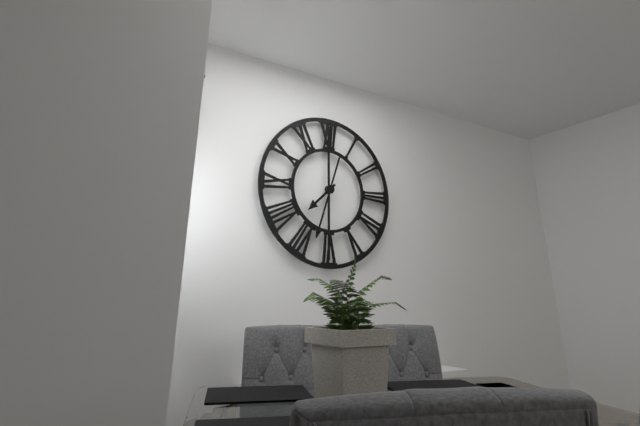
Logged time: {"hour": 7, "minute": 33}
